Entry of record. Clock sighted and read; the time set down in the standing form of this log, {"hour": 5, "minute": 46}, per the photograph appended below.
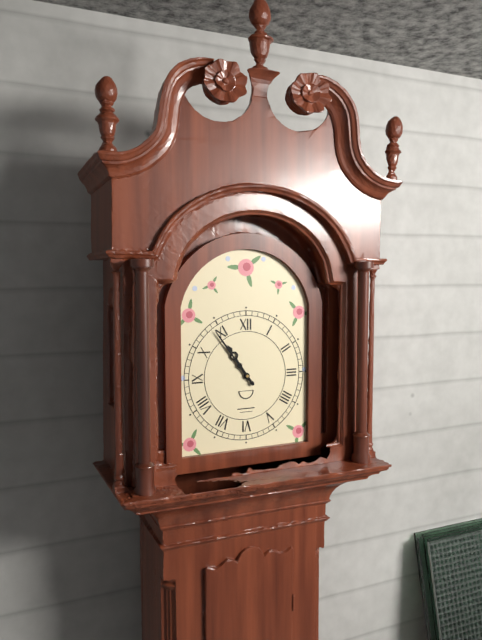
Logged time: {"hour": 10, "minute": 54}
